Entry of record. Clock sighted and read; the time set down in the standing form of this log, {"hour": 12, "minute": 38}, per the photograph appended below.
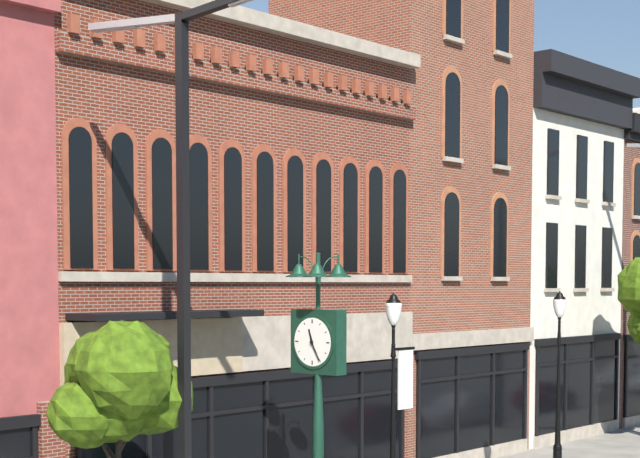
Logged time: {"hour": 11, "minute": 25}
